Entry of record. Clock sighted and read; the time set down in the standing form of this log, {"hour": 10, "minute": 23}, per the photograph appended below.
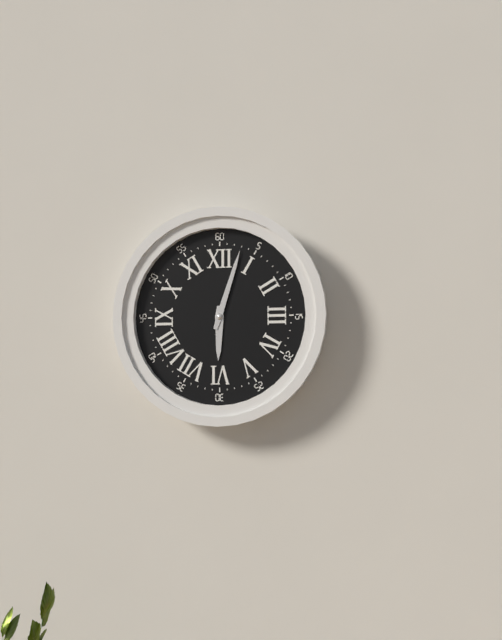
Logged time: {"hour": 6, "minute": 3}
